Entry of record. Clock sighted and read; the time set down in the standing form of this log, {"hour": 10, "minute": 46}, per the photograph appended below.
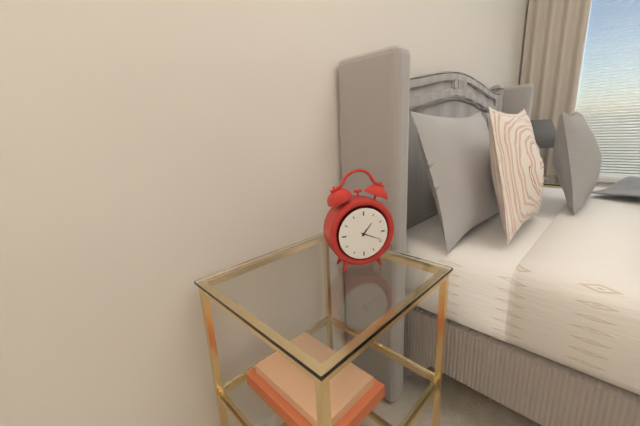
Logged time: {"hour": 1, "minute": 19}
